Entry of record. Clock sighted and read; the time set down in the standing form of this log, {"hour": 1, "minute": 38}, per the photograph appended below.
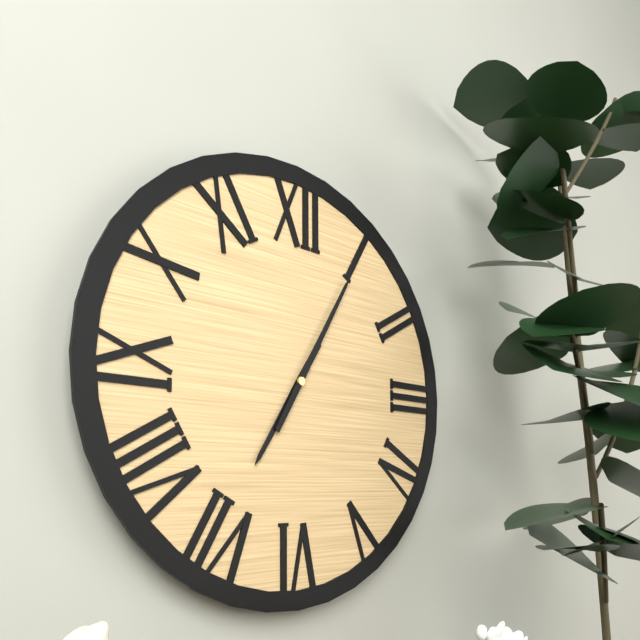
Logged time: {"hour": 7, "minute": 5}
